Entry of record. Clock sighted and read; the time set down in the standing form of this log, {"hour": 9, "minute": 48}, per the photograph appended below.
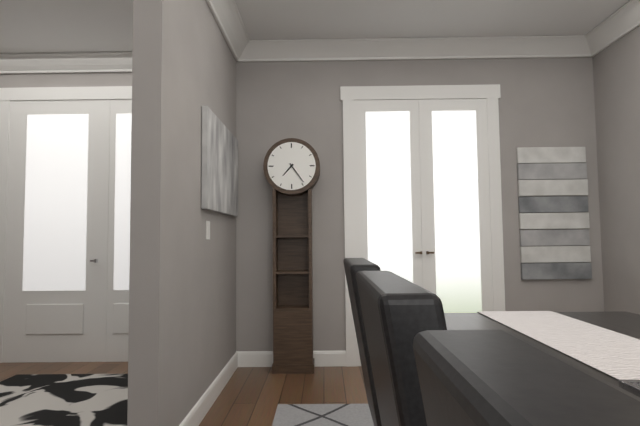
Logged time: {"hour": 7, "minute": 24}
